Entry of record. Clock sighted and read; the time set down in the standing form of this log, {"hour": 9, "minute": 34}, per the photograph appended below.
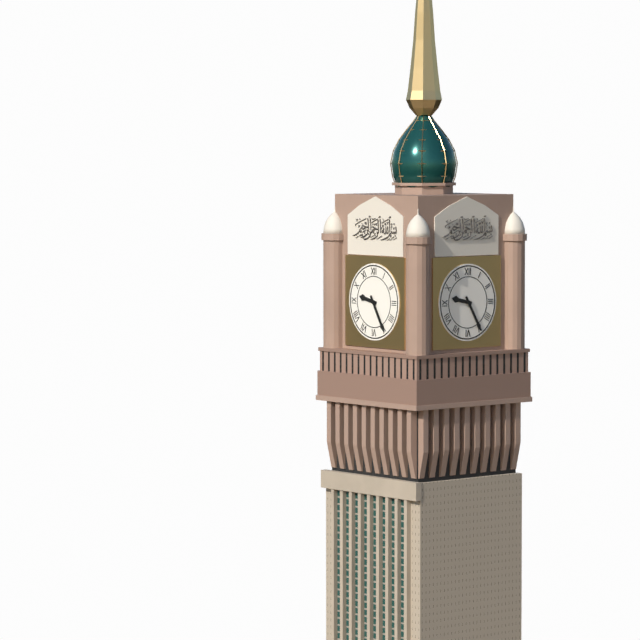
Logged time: {"hour": 9, "minute": 25}
